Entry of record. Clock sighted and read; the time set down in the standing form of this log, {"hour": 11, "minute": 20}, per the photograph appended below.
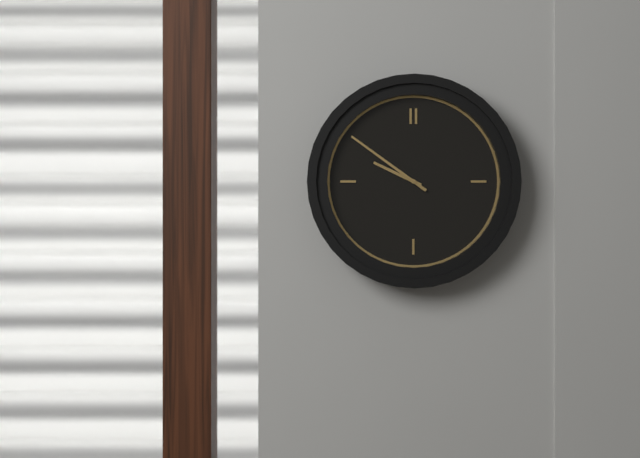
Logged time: {"hour": 9, "minute": 51}
